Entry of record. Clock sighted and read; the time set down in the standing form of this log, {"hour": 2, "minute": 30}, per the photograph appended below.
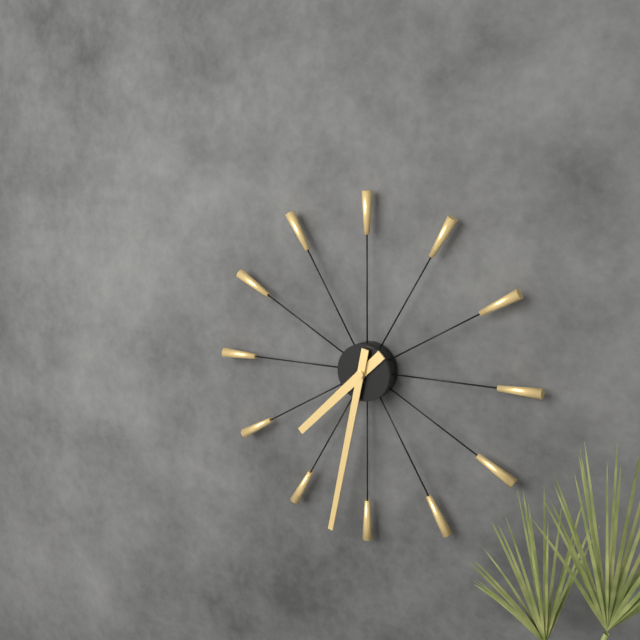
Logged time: {"hour": 7, "minute": 32}
